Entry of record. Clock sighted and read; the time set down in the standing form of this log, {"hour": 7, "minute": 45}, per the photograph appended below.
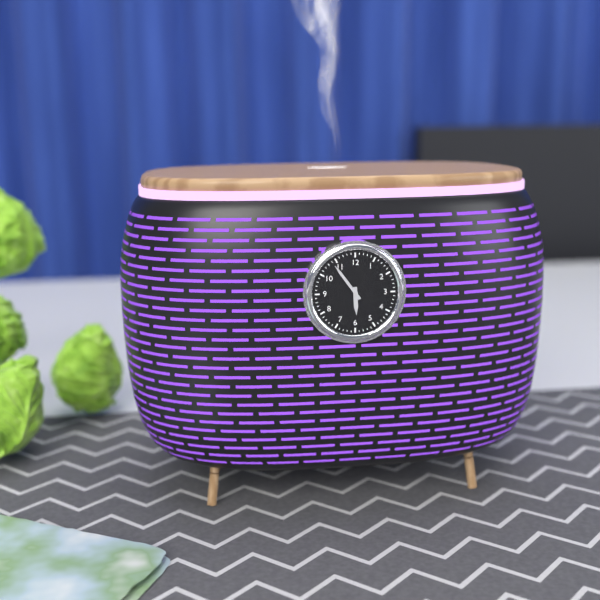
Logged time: {"hour": 5, "minute": 54}
